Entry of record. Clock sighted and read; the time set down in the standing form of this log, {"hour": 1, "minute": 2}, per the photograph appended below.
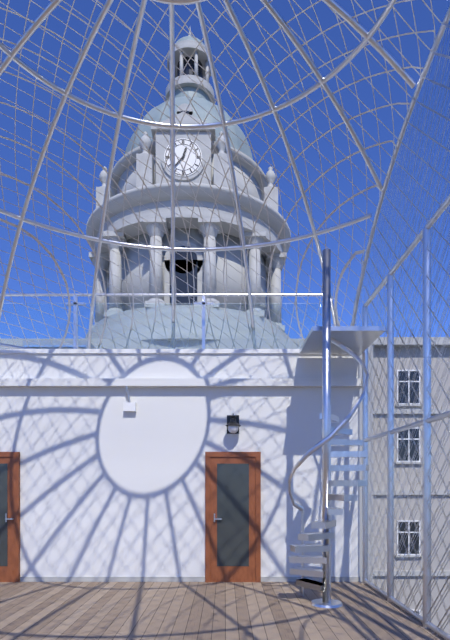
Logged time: {"hour": 12, "minute": 37}
